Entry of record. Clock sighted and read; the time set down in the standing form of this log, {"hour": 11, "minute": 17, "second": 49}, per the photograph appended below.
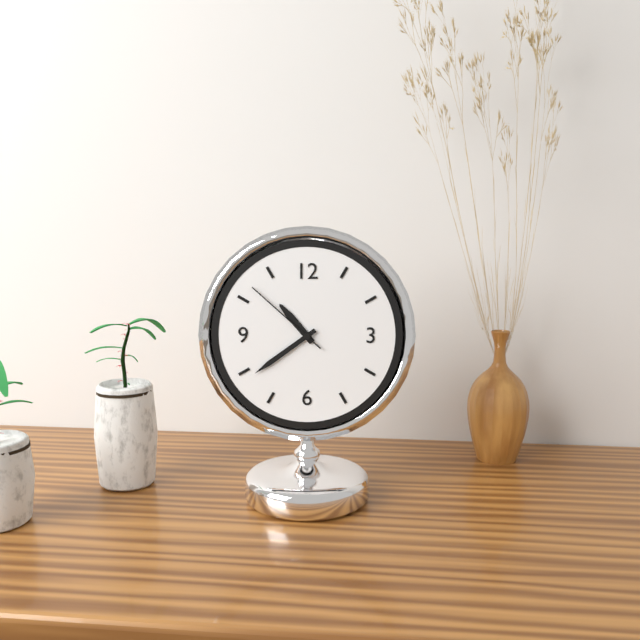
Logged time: {"hour": 10, "minute": 39, "second": 52}
